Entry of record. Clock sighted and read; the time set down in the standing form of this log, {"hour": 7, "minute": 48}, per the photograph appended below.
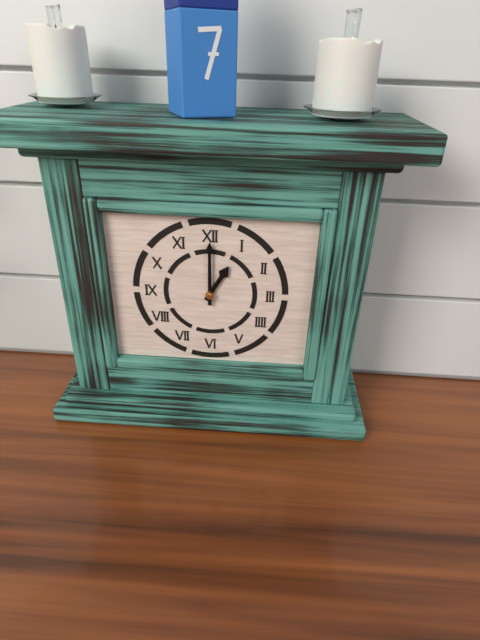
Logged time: {"hour": 1, "minute": 0}
